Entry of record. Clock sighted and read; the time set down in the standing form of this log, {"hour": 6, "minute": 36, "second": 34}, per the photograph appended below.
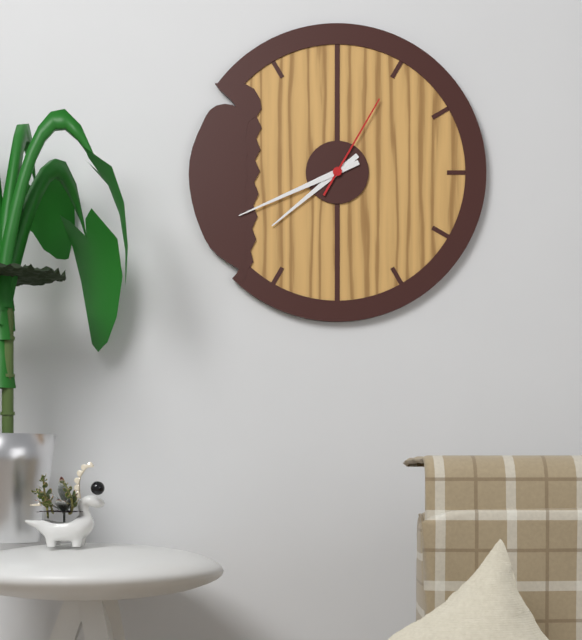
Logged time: {"hour": 7, "minute": 41, "second": 5}
